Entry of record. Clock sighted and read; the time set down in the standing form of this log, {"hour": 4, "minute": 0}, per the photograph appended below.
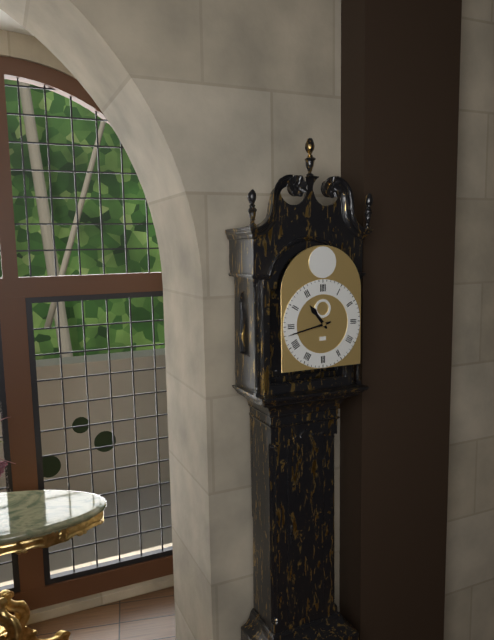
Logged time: {"hour": 10, "minute": 43}
